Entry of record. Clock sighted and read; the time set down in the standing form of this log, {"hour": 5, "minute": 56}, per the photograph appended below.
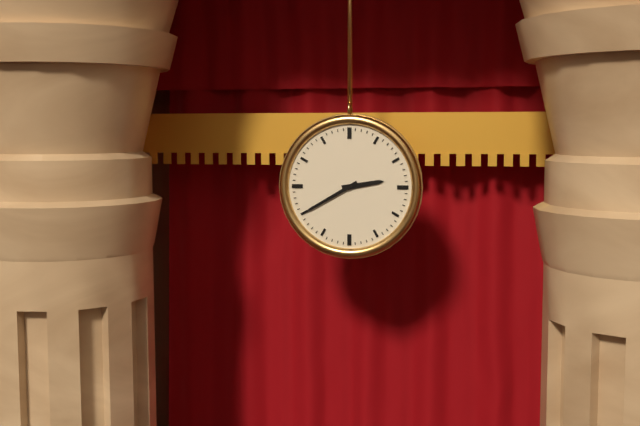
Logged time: {"hour": 2, "minute": 40}
